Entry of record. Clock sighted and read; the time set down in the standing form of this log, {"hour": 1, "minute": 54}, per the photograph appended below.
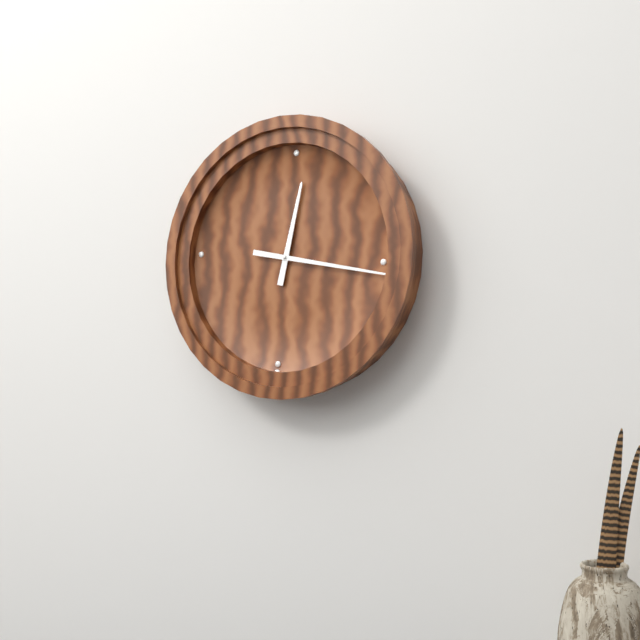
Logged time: {"hour": 12, "minute": 16}
